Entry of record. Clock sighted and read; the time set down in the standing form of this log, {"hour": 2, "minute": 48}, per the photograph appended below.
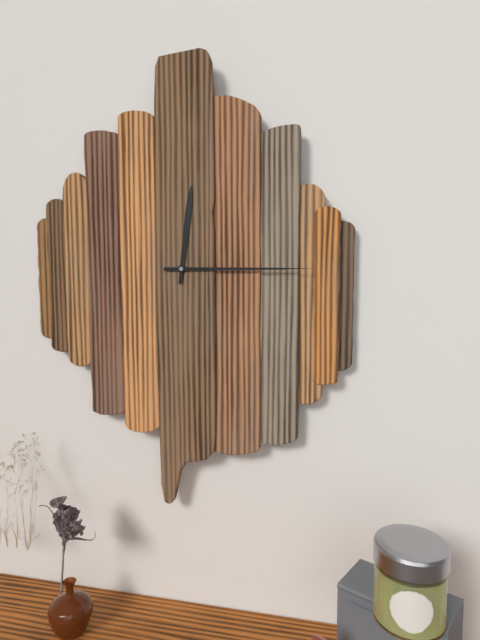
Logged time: {"hour": 12, "minute": 15}
